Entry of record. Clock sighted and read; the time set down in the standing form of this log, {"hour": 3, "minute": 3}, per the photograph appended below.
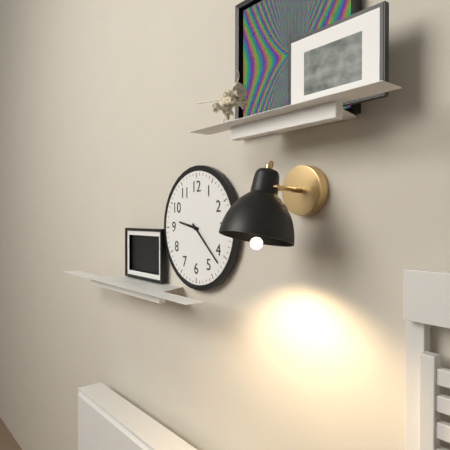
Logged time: {"hour": 9, "minute": 22}
